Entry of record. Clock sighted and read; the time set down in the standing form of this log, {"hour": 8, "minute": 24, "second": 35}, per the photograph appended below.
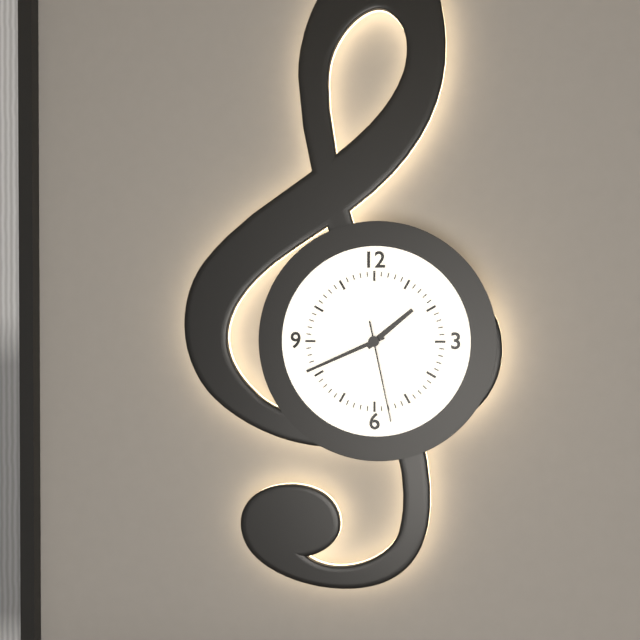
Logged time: {"hour": 1, "minute": 41, "second": 28}
